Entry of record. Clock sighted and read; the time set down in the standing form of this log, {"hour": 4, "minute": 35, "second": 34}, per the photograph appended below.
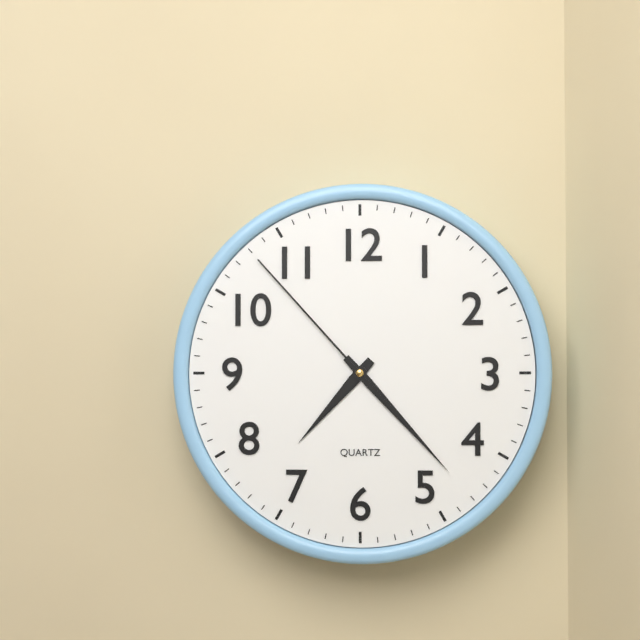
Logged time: {"hour": 7, "minute": 23, "second": 53}
